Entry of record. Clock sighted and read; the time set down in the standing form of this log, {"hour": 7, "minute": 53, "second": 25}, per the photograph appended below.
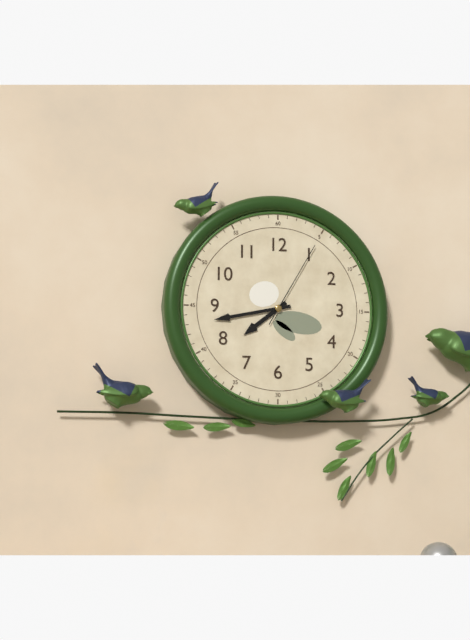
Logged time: {"hour": 7, "minute": 43, "second": 5}
